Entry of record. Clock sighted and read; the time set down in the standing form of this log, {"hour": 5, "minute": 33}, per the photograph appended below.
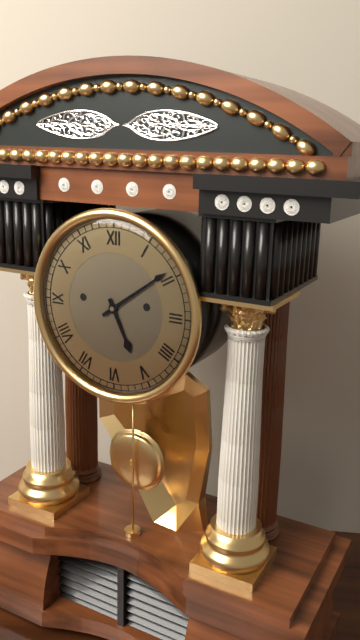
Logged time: {"hour": 5, "minute": 9}
